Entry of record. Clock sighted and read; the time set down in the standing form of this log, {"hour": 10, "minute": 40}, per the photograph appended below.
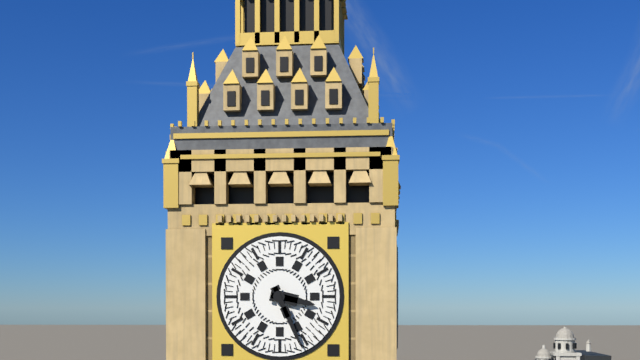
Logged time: {"hour": 3, "minute": 26}
